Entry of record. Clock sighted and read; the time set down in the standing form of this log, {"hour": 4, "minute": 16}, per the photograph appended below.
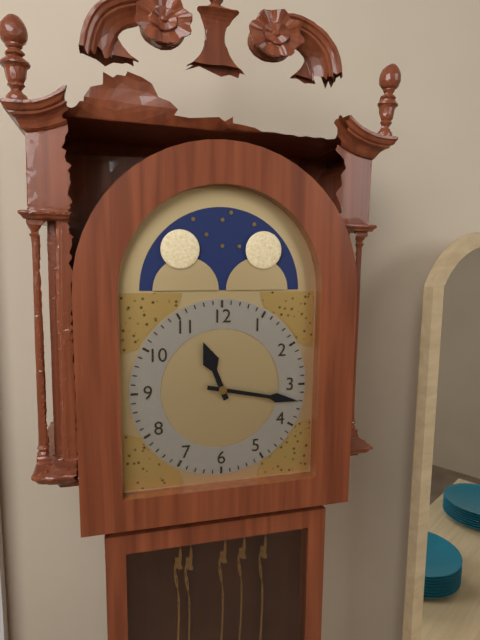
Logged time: {"hour": 11, "minute": 17}
